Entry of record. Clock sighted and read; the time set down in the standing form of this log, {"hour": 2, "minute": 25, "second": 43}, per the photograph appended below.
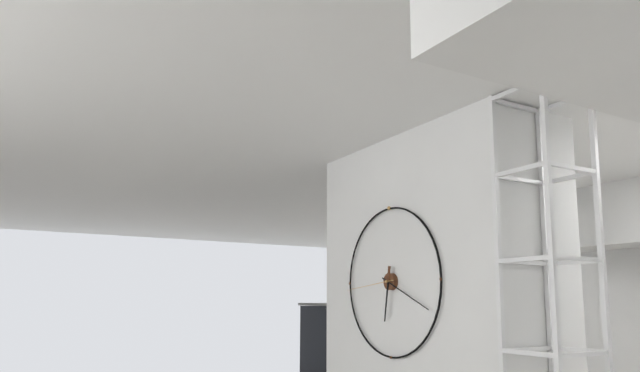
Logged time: {"hour": 6, "minute": 19, "second": 44}
